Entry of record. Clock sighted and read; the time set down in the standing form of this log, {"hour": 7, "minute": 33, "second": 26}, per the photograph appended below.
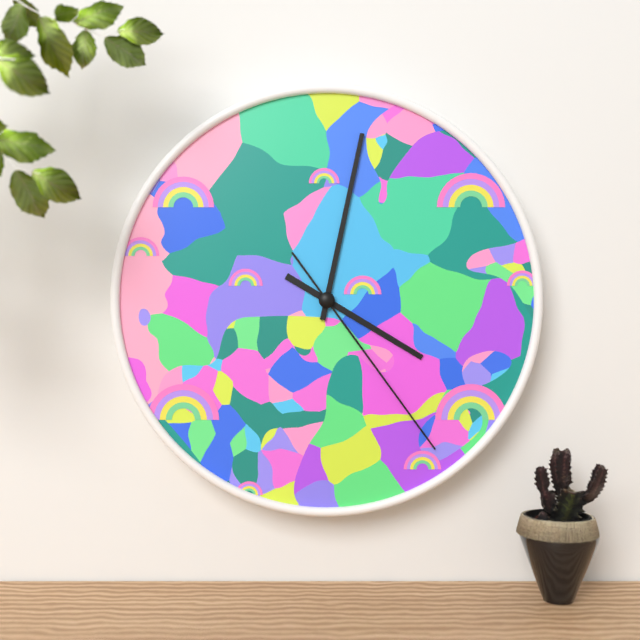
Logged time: {"hour": 4, "minute": 2, "second": 24}
